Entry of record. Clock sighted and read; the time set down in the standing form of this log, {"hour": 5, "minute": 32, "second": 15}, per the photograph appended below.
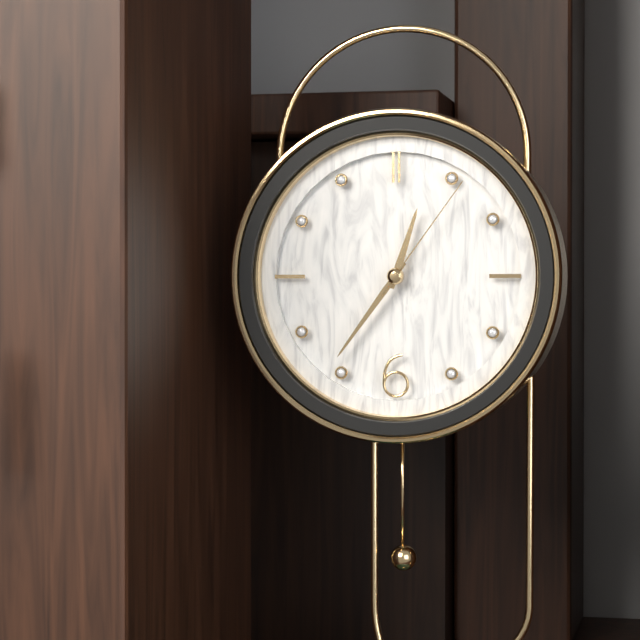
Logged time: {"hour": 12, "minute": 36, "second": 6}
